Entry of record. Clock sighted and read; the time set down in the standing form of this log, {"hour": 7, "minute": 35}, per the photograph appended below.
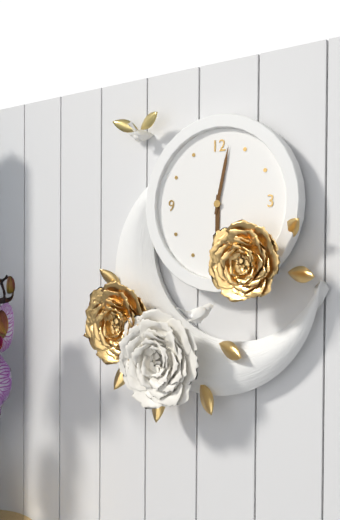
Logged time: {"hour": 6, "minute": 2}
